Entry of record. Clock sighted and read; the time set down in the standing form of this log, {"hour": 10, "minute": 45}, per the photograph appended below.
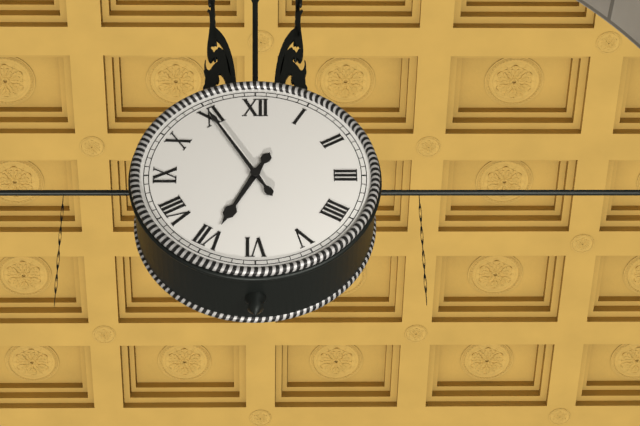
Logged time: {"hour": 6, "minute": 55}
